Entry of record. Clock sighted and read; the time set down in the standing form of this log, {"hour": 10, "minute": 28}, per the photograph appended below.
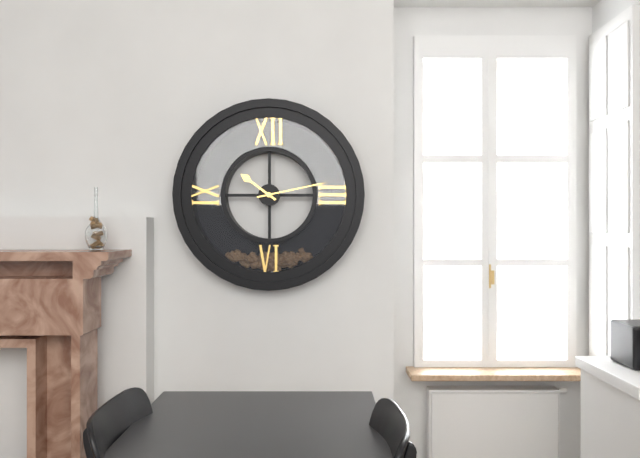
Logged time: {"hour": 10, "minute": 13}
